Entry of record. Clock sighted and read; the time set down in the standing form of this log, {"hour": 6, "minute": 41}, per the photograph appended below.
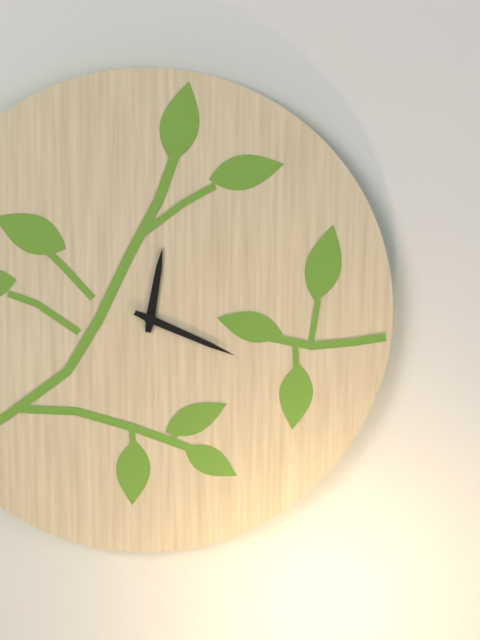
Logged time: {"hour": 12, "minute": 19}
